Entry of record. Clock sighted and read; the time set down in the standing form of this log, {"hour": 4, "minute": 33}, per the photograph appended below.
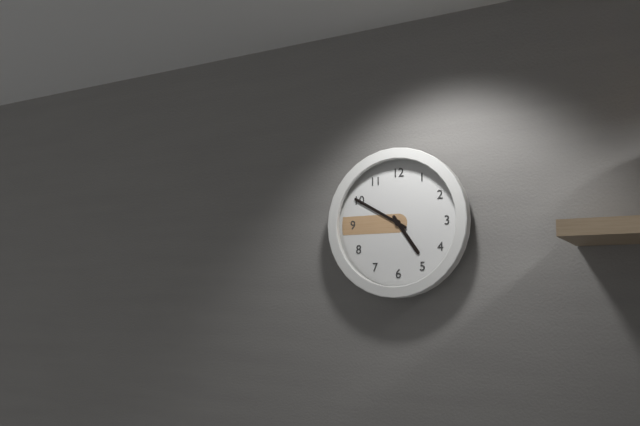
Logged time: {"hour": 4, "minute": 50}
